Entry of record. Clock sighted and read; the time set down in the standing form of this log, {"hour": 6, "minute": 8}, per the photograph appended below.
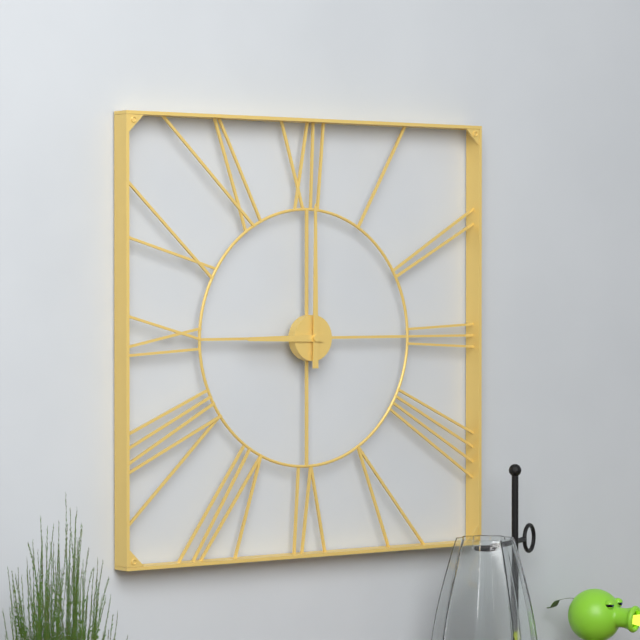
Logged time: {"hour": 9, "minute": 0}
